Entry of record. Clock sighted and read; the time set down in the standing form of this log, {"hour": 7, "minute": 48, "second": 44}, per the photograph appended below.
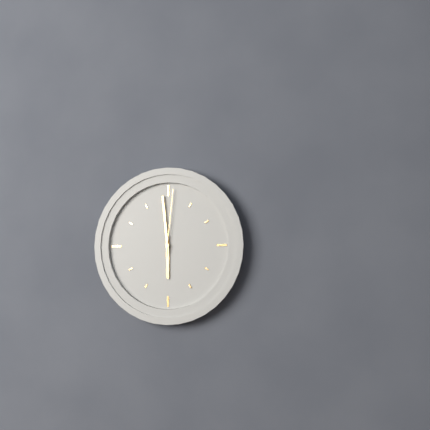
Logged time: {"hour": 5, "minute": 59, "second": 1}
